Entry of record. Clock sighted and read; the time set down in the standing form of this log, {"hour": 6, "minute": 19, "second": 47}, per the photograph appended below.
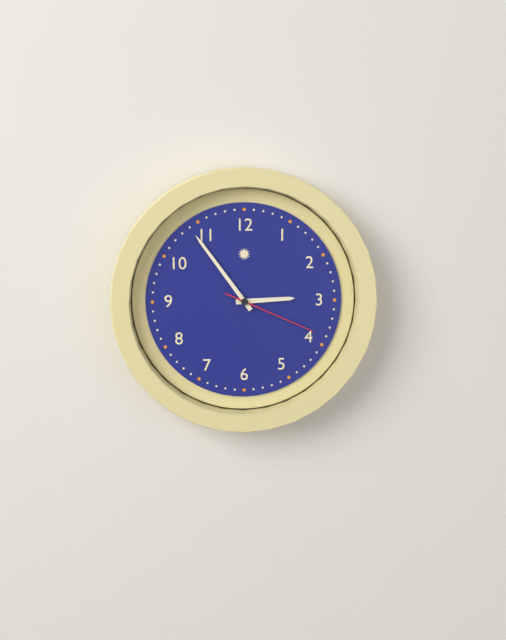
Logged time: {"hour": 2, "minute": 54, "second": 19}
